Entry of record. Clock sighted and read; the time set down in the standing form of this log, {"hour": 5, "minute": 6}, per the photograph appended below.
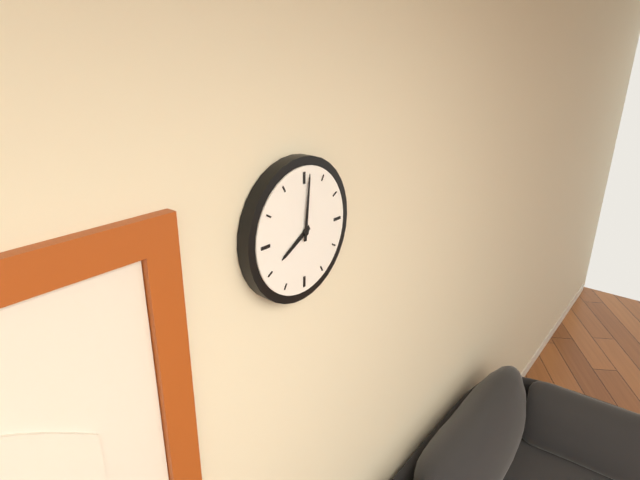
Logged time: {"hour": 8, "minute": 1}
